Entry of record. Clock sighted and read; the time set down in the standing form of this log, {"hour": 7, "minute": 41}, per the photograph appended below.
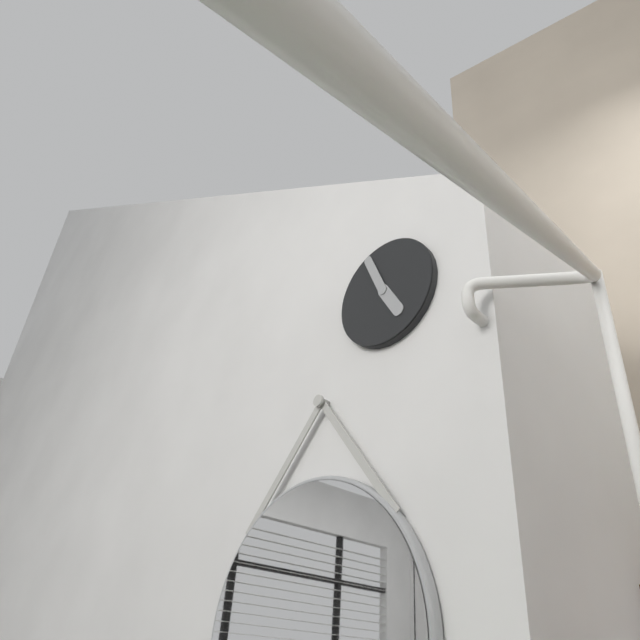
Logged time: {"hour": 4, "minute": 56}
